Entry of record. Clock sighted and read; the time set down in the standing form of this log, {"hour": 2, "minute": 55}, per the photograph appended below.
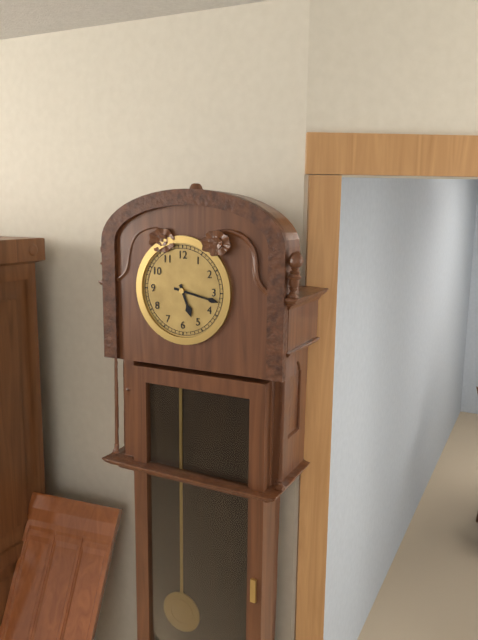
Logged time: {"hour": 5, "minute": 17}
